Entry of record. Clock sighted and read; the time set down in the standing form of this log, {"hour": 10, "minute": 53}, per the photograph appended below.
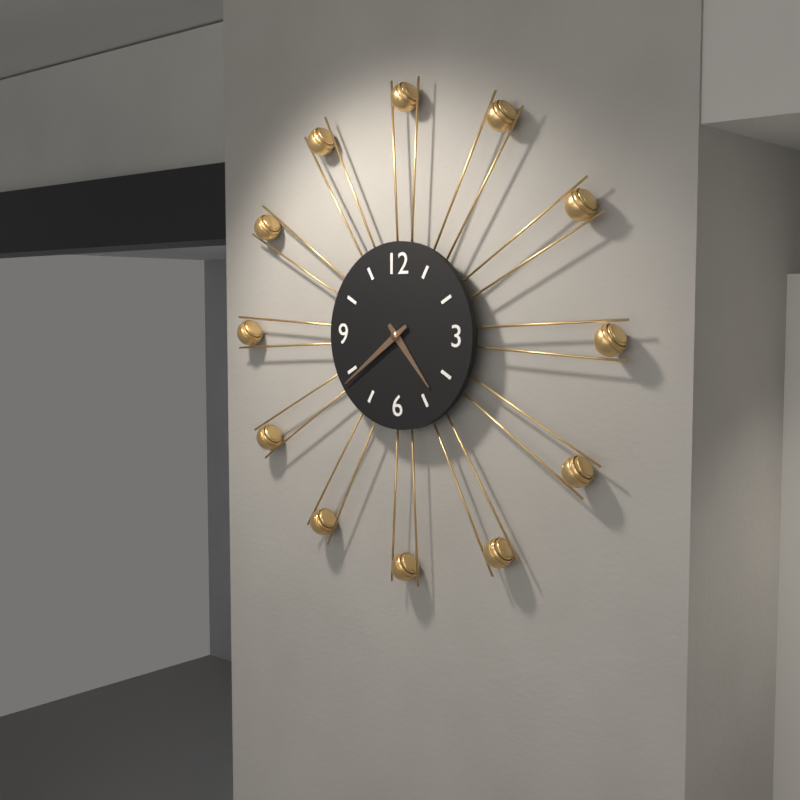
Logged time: {"hour": 4, "minute": 39}
